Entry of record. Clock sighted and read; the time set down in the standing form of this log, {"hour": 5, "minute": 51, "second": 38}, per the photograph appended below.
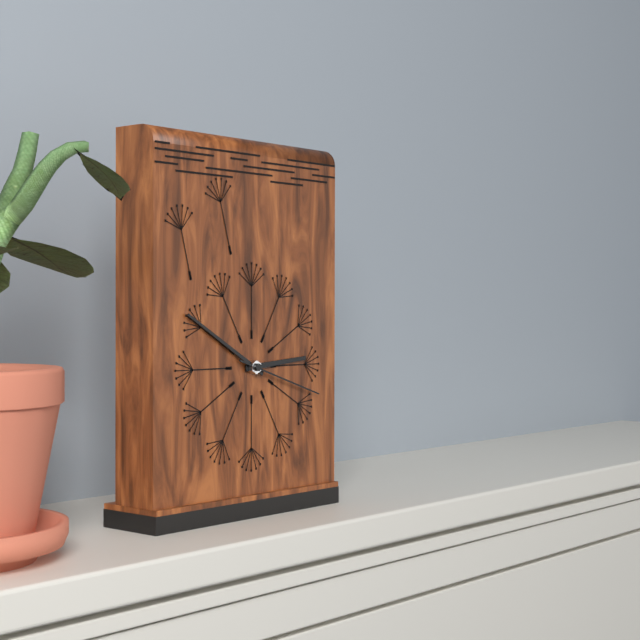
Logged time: {"hour": 2, "minute": 50, "second": 18}
